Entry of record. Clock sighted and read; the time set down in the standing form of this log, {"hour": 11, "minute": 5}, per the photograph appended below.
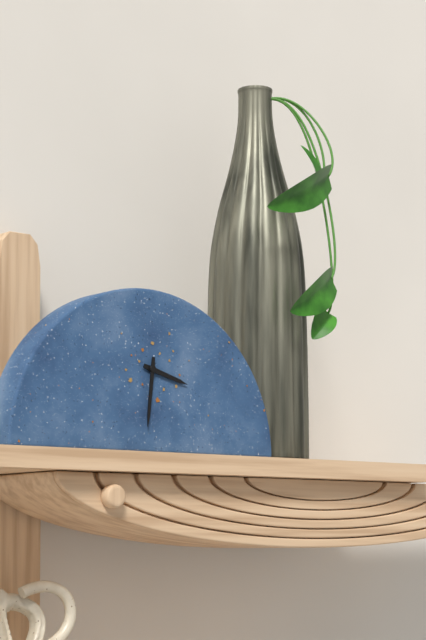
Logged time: {"hour": 3, "minute": 31}
